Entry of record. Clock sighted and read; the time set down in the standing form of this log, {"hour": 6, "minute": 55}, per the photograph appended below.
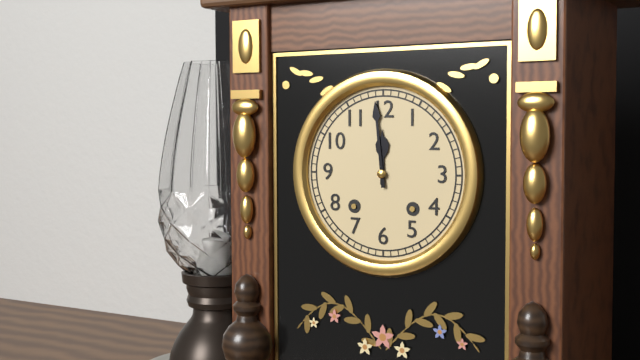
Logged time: {"hour": 11, "minute": 59}
